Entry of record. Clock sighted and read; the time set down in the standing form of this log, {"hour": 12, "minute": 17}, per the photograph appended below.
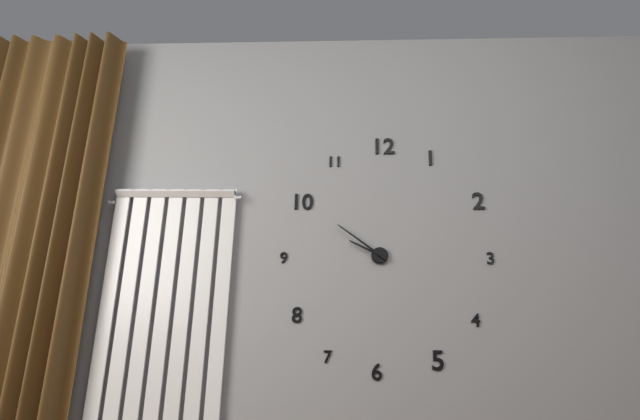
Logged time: {"hour": 9, "minute": 51}
